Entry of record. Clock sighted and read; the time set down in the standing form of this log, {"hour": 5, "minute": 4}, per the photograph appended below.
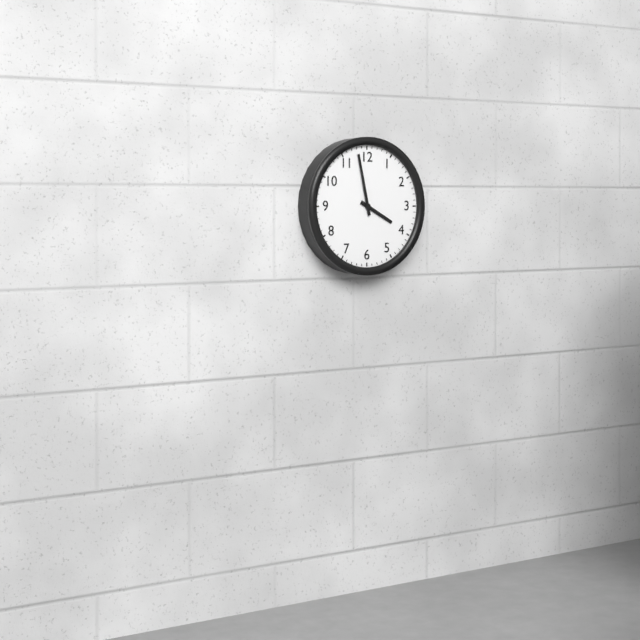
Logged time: {"hour": 3, "minute": 58}
